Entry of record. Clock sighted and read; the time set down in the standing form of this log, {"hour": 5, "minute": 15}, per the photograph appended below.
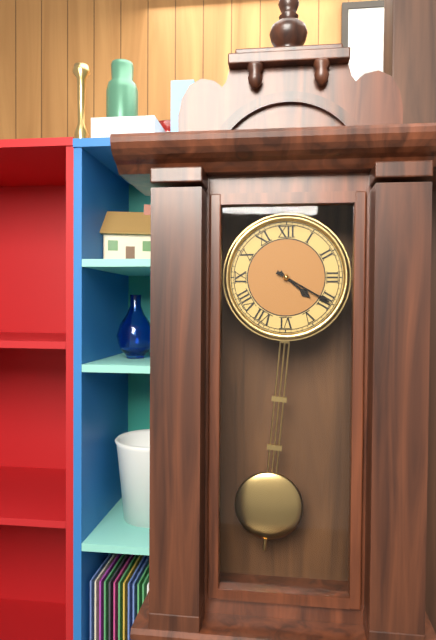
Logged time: {"hour": 4, "minute": 20}
